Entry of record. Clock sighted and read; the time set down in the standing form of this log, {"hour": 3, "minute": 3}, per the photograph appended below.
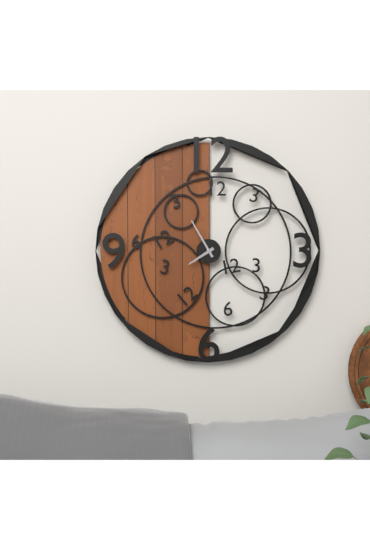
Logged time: {"hour": 7, "minute": 55}
